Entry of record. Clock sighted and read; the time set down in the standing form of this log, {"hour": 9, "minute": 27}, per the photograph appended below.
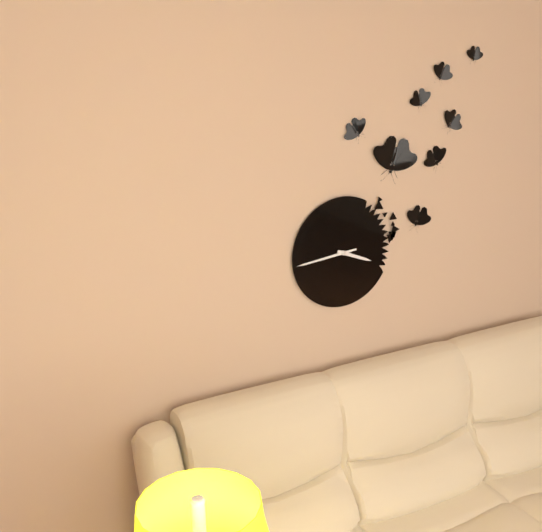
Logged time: {"hour": 3, "minute": 44}
